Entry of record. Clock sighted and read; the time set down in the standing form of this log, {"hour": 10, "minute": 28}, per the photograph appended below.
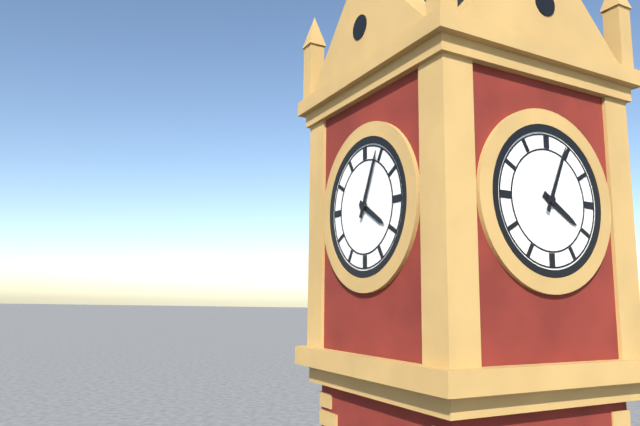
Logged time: {"hour": 4, "minute": 4}
